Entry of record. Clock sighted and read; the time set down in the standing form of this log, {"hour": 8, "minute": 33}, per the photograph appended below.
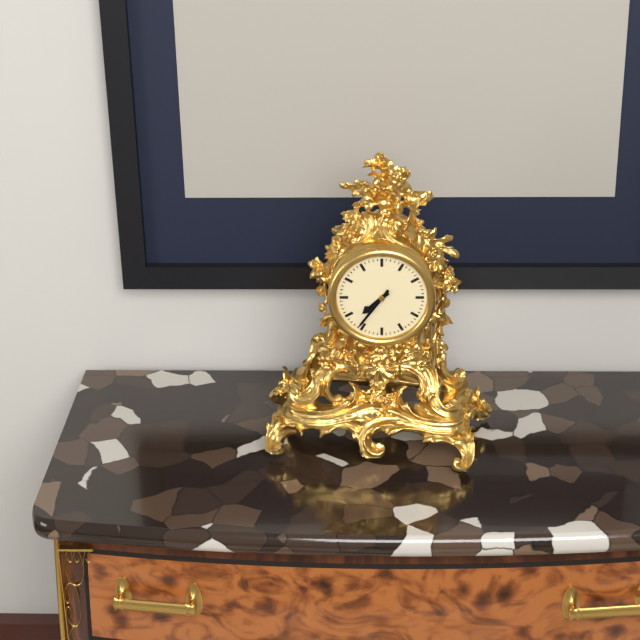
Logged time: {"hour": 7, "minute": 36}
